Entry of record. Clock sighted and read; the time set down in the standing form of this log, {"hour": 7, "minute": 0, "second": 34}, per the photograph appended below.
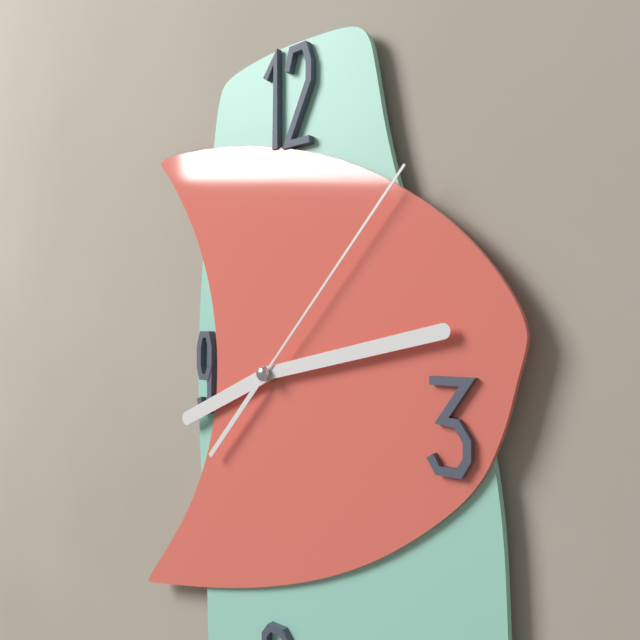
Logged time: {"hour": 8, "minute": 13, "second": 7}
